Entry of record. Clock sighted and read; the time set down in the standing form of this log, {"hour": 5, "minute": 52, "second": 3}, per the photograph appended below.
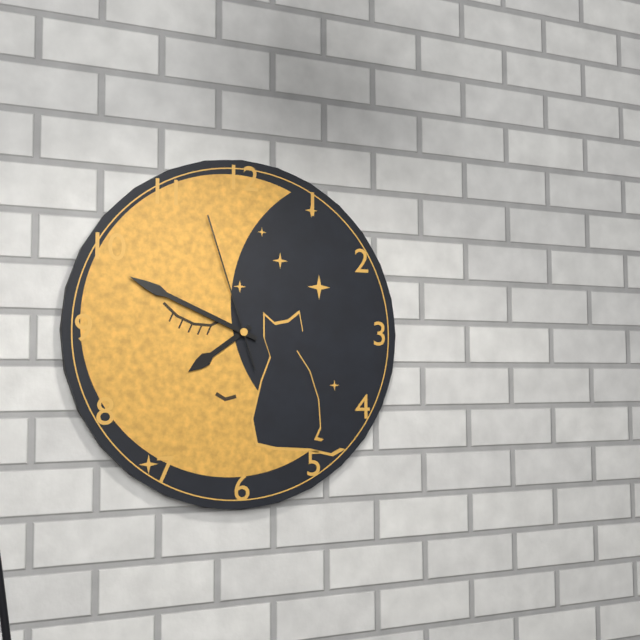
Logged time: {"hour": 7, "minute": 49, "second": 57}
